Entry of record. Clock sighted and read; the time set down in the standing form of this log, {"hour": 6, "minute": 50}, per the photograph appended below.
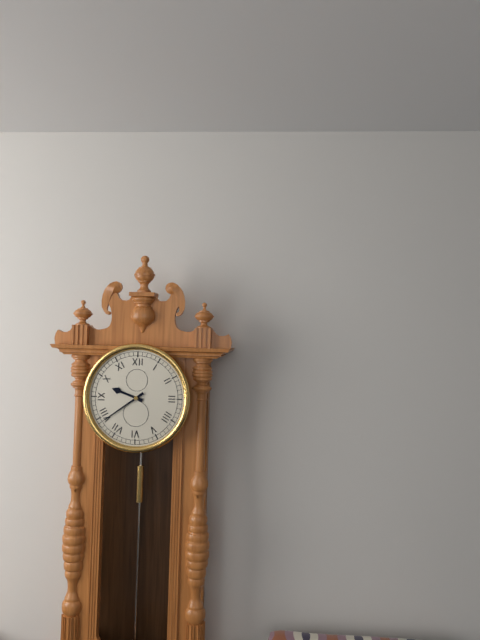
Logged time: {"hour": 9, "minute": 39}
